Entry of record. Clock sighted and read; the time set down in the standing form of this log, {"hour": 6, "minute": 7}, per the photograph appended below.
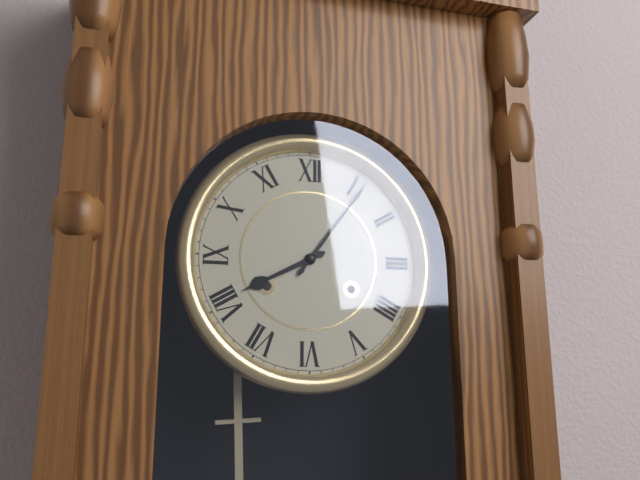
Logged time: {"hour": 8, "minute": 6}
